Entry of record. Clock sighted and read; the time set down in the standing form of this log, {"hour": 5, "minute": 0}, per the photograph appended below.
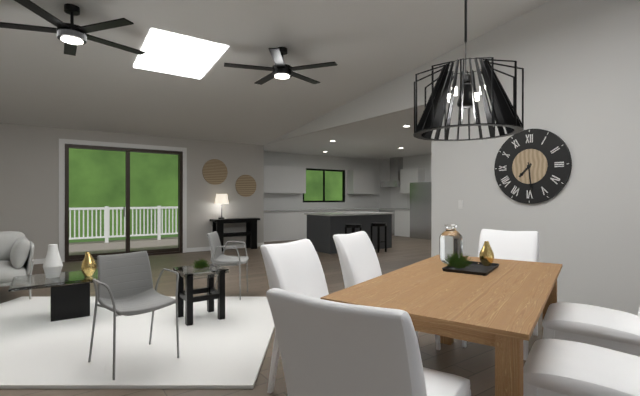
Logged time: {"hour": 7, "minute": 29}
